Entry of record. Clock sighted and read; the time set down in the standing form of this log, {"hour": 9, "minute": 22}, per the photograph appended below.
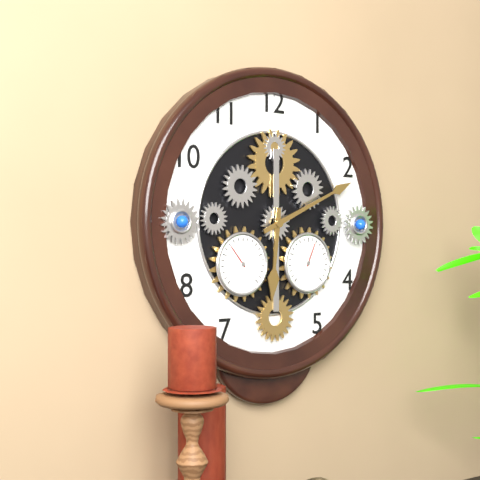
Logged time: {"hour": 6, "minute": 11}
